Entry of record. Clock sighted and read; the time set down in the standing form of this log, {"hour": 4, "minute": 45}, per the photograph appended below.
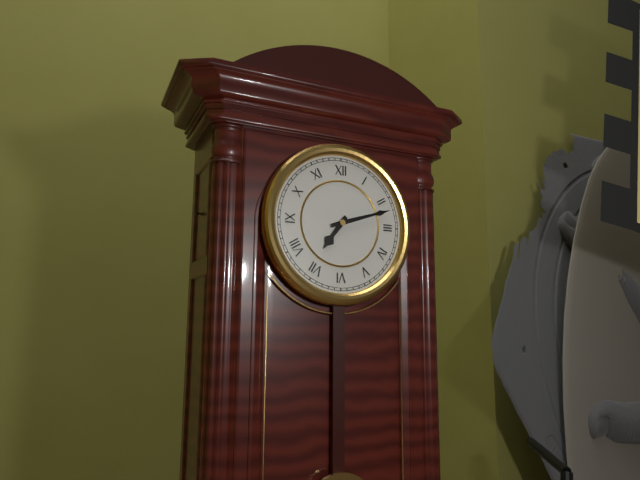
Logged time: {"hour": 7, "minute": 12}
